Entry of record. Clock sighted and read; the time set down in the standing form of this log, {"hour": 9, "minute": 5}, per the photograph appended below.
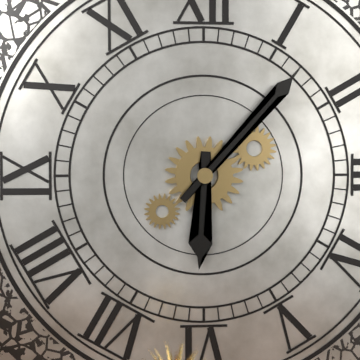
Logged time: {"hour": 6, "minute": 7}
